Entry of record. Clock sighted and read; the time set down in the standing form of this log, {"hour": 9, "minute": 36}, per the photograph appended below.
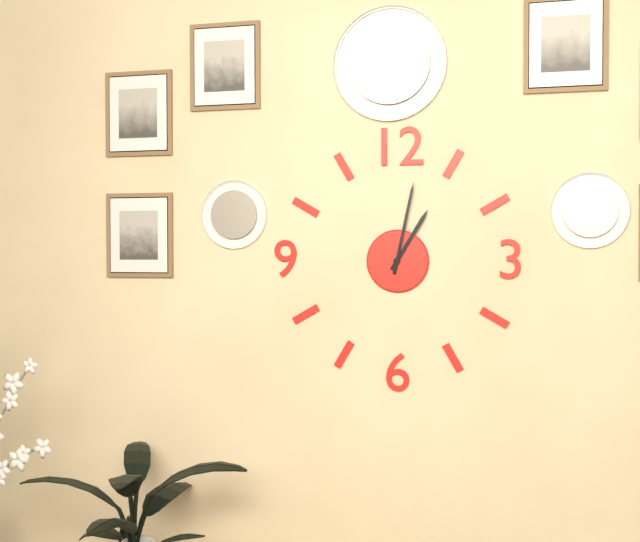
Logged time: {"hour": 1, "minute": 2}
